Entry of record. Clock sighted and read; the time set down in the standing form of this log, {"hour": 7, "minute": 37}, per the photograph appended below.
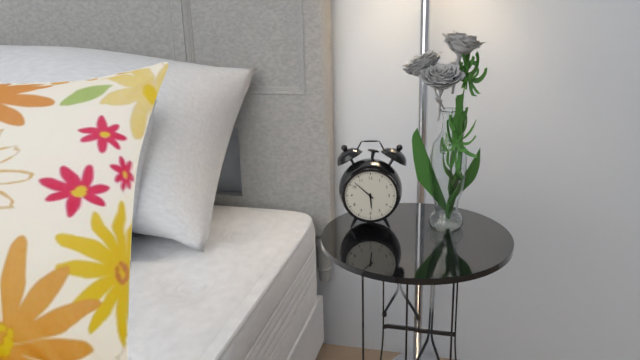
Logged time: {"hour": 5, "minute": 52}
